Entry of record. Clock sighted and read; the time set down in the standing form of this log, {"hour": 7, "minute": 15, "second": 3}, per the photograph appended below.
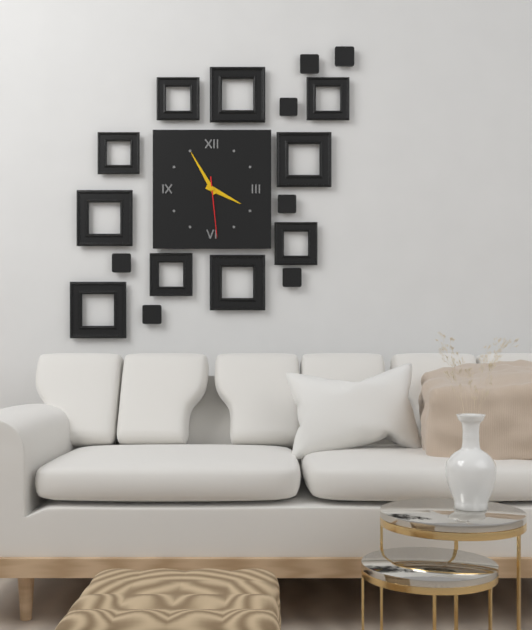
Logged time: {"hour": 3, "minute": 55, "second": 29}
